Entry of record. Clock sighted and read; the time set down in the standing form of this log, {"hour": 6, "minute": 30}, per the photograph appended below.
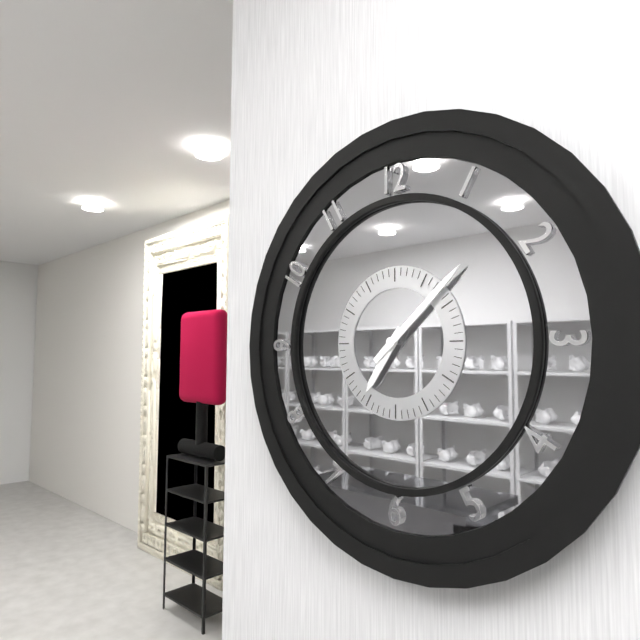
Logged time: {"hour": 7, "minute": 8}
